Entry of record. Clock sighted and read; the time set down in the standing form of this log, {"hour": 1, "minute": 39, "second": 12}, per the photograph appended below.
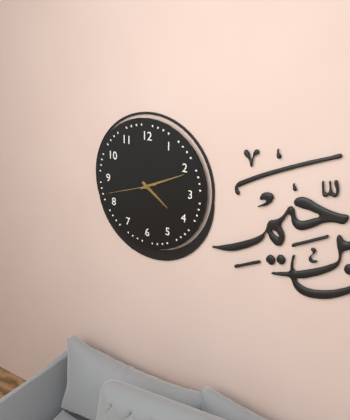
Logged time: {"hour": 4, "minute": 11, "second": 42}
